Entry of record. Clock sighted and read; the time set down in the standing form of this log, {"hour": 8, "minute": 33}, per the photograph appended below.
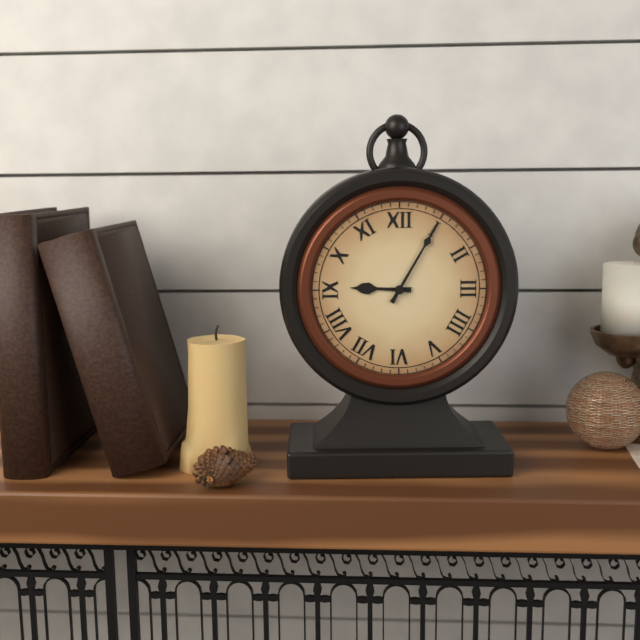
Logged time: {"hour": 9, "minute": 5}
